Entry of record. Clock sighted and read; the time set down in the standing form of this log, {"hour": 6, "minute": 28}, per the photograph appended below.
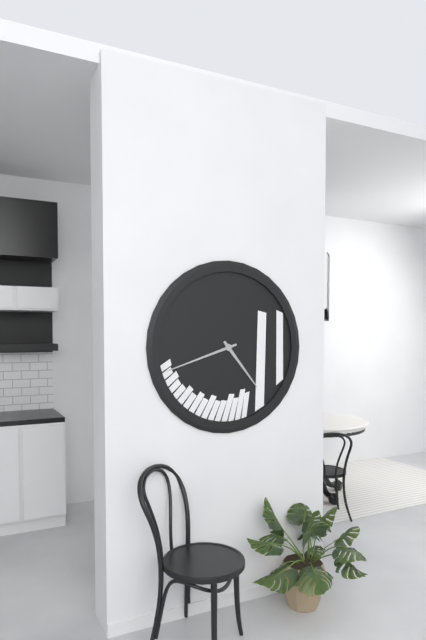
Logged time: {"hour": 4, "minute": 42}
